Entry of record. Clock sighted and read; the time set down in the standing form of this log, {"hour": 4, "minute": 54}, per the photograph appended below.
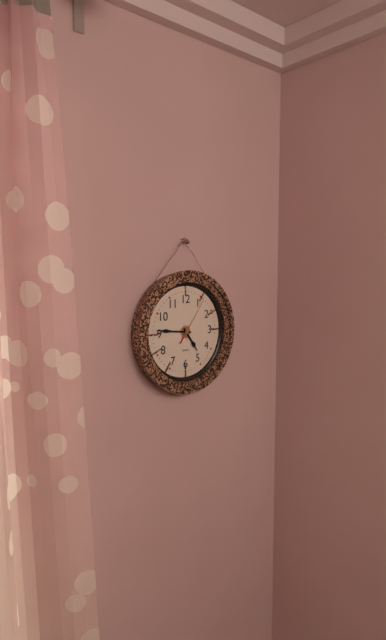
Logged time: {"hour": 4, "minute": 46}
